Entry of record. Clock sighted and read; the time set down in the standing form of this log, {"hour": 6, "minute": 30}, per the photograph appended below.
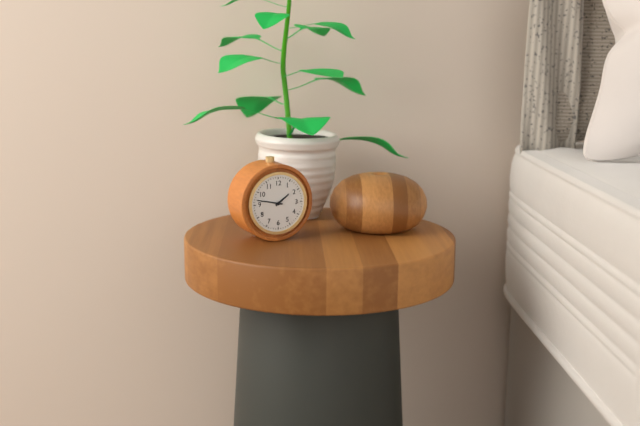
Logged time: {"hour": 1, "minute": 47}
